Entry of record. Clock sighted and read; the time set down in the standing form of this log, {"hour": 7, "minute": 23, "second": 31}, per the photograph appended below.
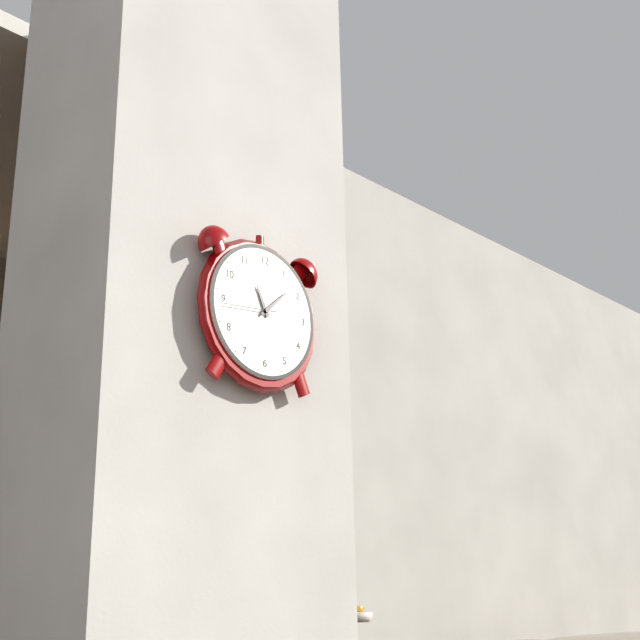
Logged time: {"hour": 11, "minute": 8, "second": 44}
